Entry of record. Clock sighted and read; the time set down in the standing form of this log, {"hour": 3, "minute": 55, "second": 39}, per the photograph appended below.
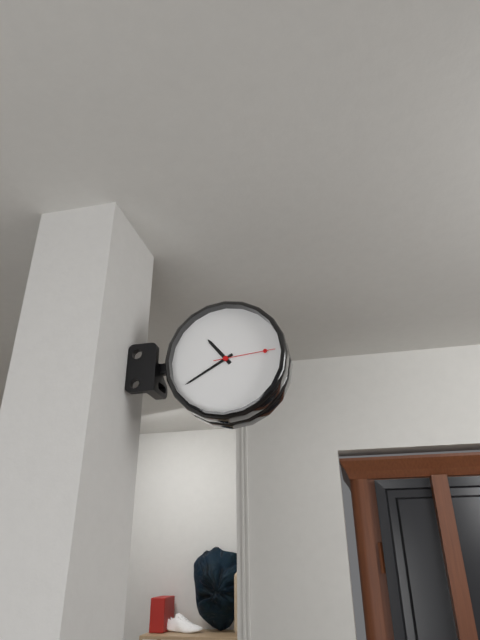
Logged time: {"hour": 10, "minute": 40, "second": 14}
